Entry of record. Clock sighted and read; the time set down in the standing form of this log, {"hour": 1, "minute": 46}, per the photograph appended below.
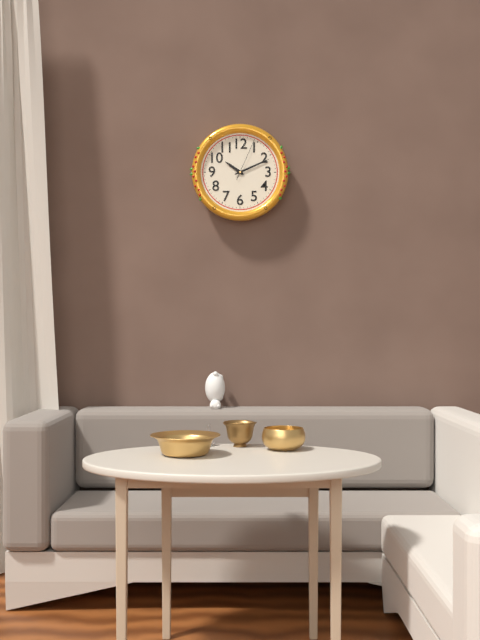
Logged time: {"hour": 10, "minute": 11}
